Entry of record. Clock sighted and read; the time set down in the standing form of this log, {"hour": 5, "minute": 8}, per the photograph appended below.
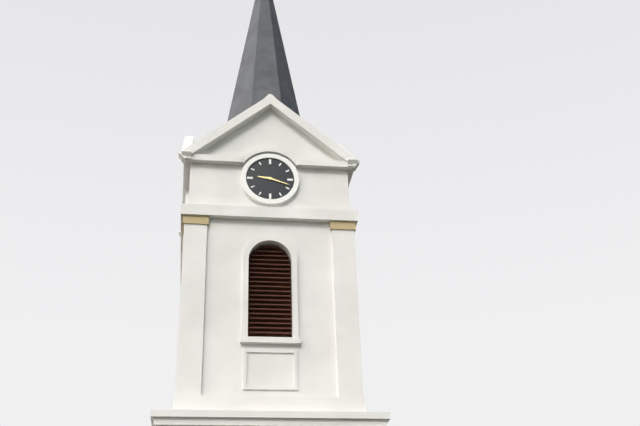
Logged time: {"hour": 9, "minute": 18}
